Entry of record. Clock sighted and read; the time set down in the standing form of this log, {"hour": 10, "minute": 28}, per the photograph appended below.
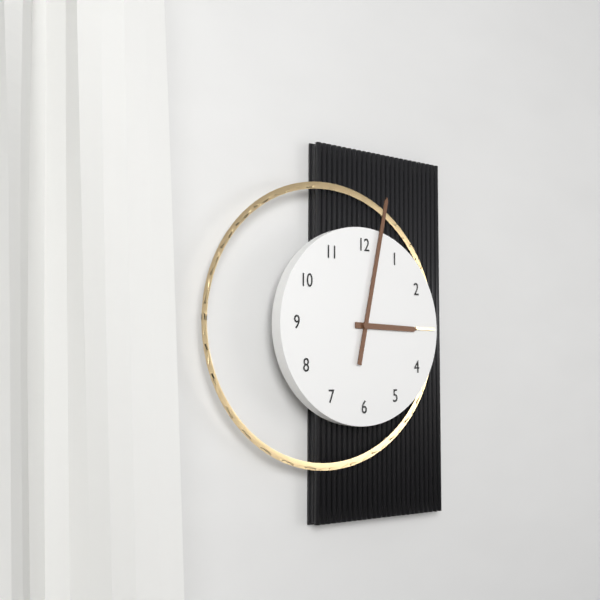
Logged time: {"hour": 3, "minute": 2}
